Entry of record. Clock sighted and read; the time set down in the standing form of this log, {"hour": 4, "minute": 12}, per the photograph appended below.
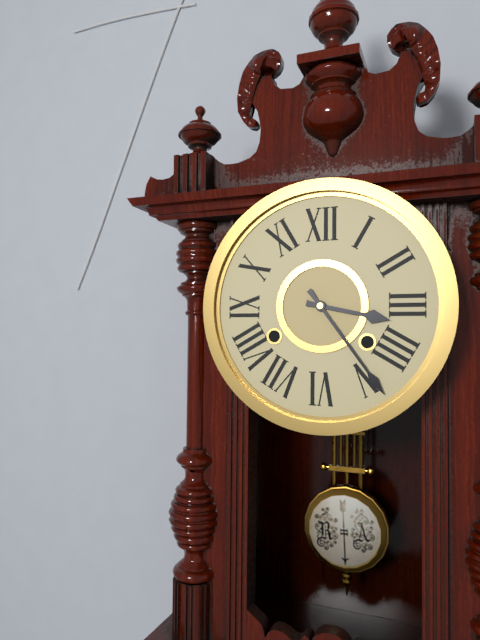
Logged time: {"hour": 3, "minute": 24}
